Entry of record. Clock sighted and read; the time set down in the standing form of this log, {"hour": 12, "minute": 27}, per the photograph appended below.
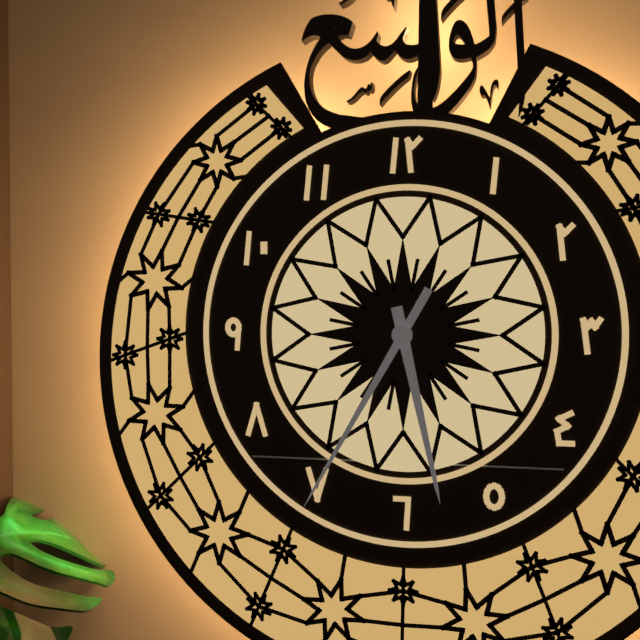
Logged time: {"hour": 5, "minute": 35}
